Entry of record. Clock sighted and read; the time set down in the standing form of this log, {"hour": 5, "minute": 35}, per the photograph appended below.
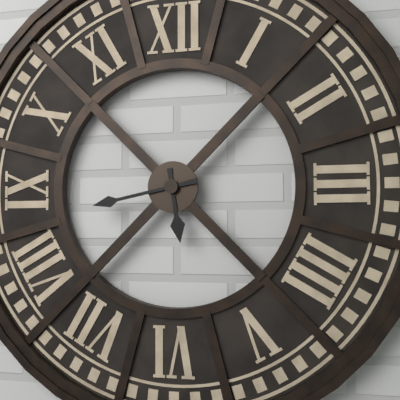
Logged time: {"hour": 5, "minute": 43}
